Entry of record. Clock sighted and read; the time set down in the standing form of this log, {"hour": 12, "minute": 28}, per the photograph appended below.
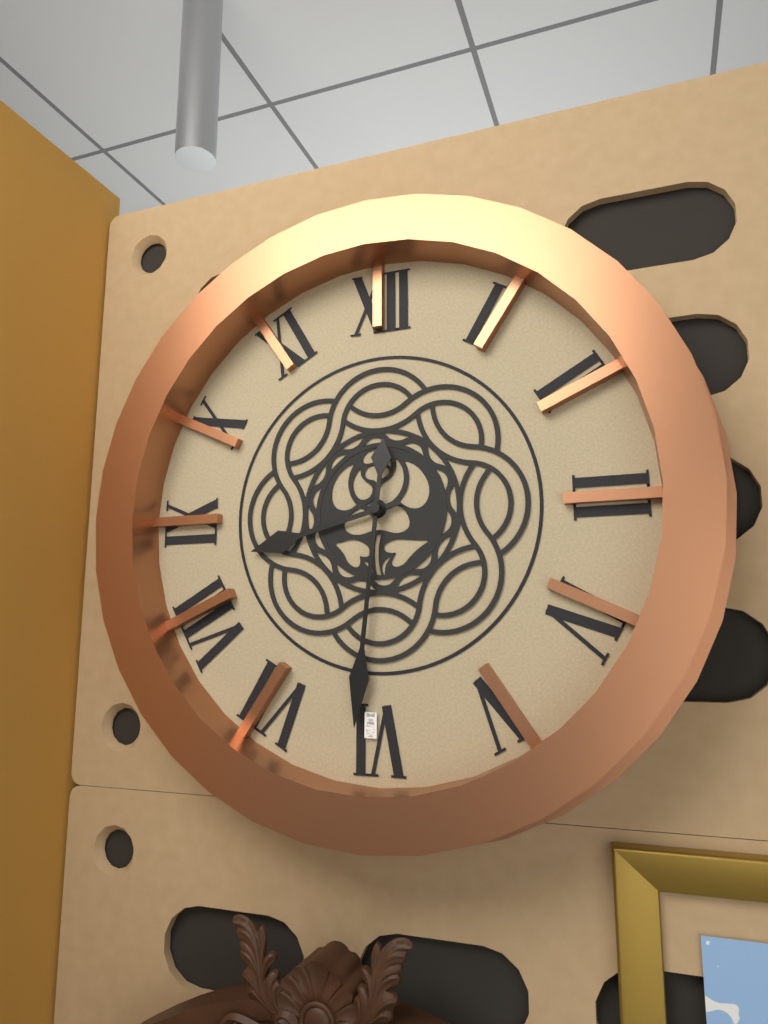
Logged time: {"hour": 8, "minute": 31}
